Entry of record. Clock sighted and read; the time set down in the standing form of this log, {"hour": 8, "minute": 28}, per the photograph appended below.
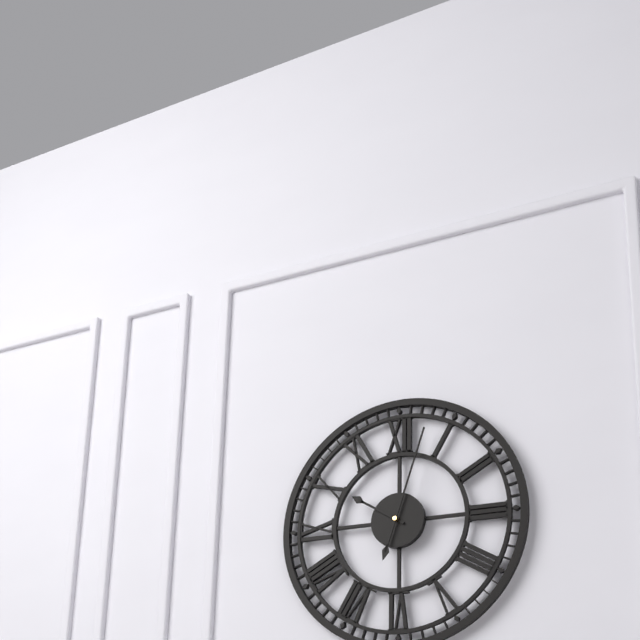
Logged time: {"hour": 10, "minute": 3}
